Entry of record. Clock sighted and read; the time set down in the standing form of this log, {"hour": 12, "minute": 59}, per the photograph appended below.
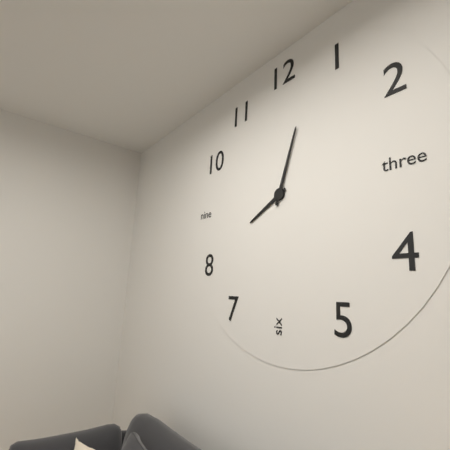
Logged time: {"hour": 8, "minute": 3}
